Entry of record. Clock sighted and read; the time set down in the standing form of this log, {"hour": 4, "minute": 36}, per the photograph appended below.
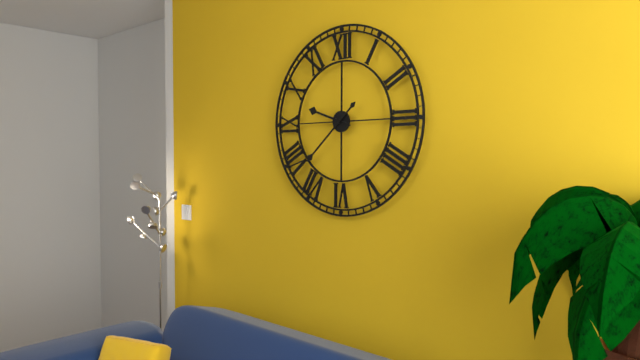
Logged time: {"hour": 9, "minute": 38}
